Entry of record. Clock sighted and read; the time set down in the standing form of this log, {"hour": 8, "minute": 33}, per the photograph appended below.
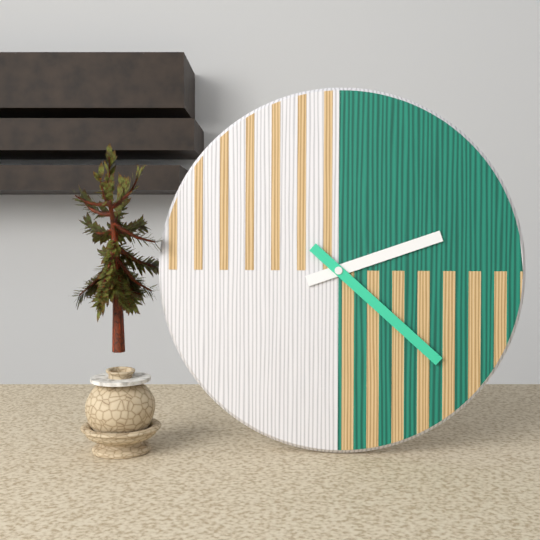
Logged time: {"hour": 2, "minute": 22}
